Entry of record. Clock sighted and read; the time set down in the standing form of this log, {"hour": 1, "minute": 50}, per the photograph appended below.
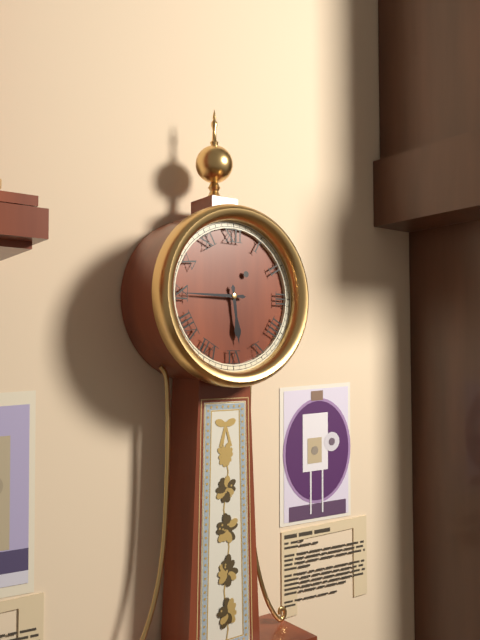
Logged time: {"hour": 5, "minute": 45}
